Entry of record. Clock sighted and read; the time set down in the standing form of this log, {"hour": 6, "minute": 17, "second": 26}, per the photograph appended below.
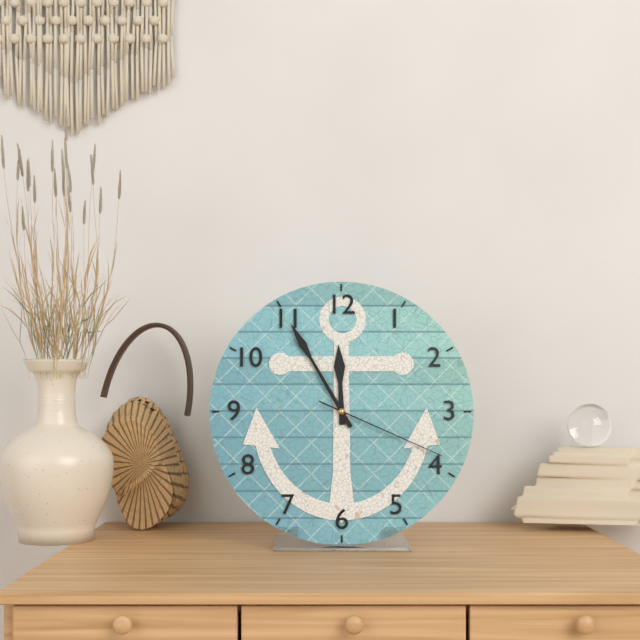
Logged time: {"hour": 11, "minute": 55, "second": 19}
